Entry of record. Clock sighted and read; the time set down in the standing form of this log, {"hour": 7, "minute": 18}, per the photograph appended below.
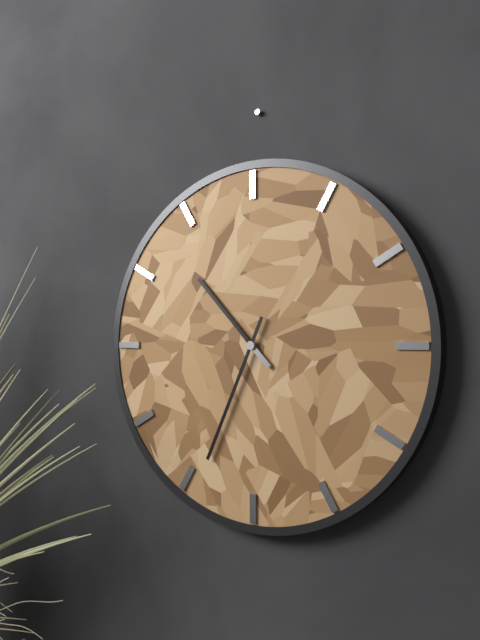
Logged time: {"hour": 10, "minute": 34}
